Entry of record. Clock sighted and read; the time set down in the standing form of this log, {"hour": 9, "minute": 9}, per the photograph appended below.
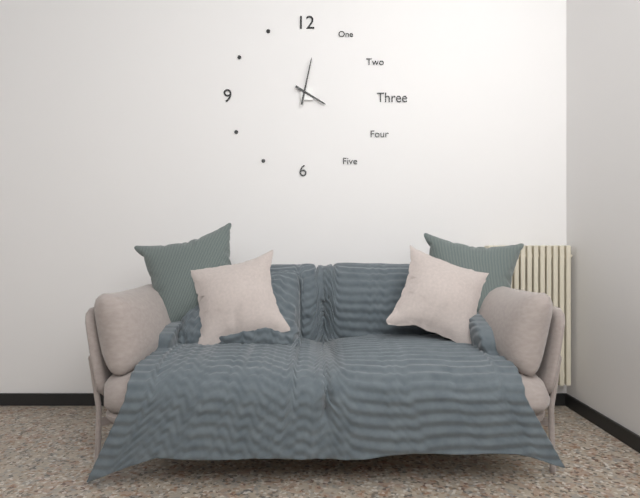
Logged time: {"hour": 4, "minute": 2}
